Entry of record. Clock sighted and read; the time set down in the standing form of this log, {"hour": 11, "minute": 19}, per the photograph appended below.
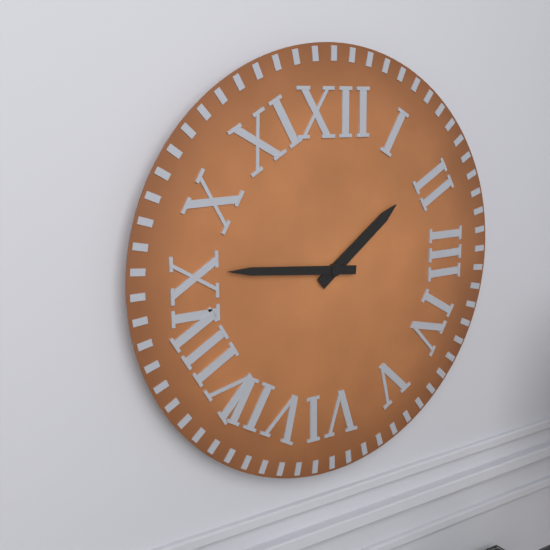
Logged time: {"hour": 1, "minute": 46}
